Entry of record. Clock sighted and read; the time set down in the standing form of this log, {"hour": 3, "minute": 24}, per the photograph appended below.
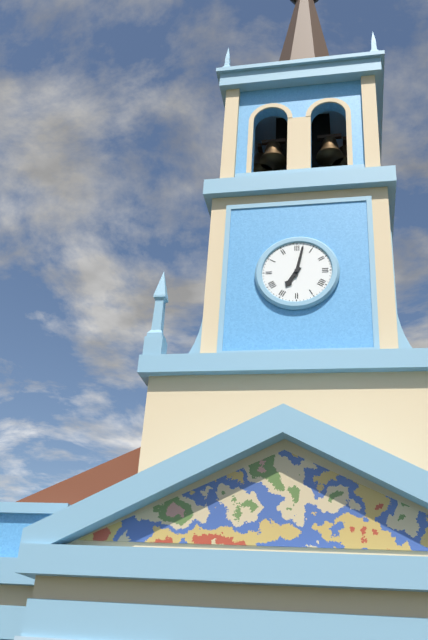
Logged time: {"hour": 7, "minute": 2}
